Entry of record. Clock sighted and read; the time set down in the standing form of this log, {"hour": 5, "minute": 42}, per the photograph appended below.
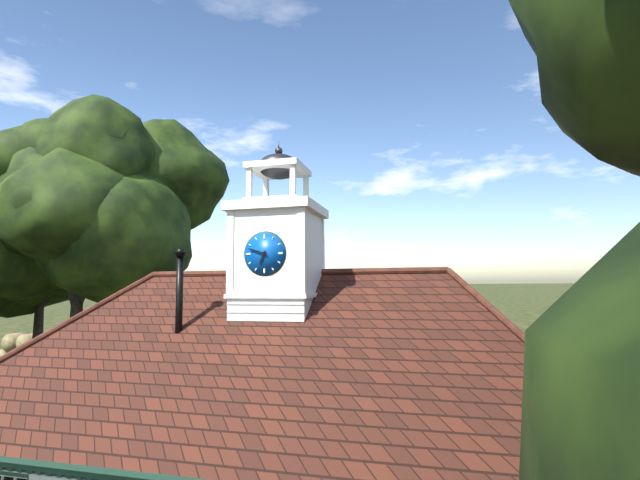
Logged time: {"hour": 6, "minute": 48}
